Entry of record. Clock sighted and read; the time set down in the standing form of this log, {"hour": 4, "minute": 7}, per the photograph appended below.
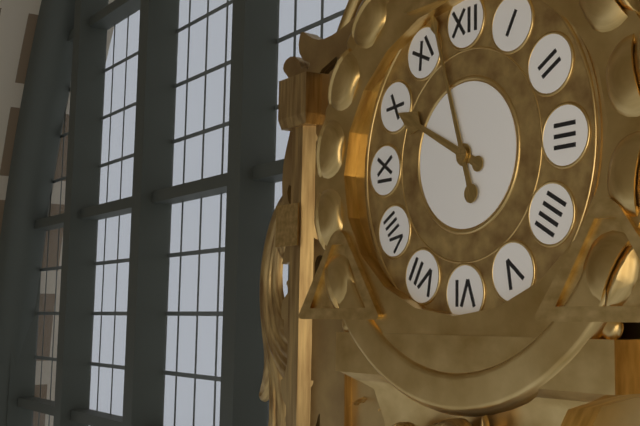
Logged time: {"hour": 9, "minute": 57}
